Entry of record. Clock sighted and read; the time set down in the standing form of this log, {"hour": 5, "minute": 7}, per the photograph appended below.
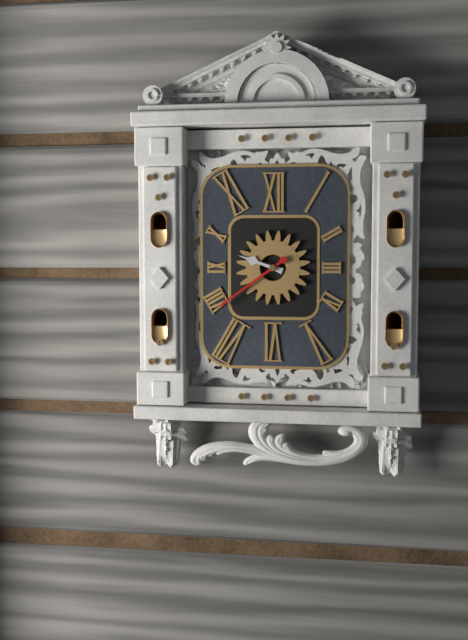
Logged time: {"hour": 9, "minute": 39}
